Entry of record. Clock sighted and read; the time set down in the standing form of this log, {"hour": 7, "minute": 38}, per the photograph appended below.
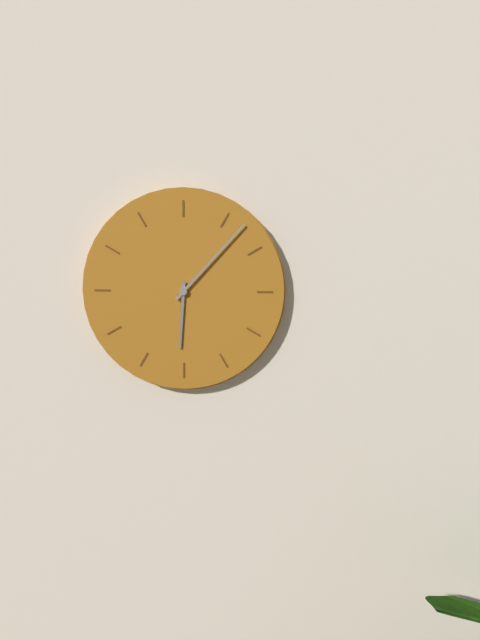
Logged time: {"hour": 6, "minute": 7}
